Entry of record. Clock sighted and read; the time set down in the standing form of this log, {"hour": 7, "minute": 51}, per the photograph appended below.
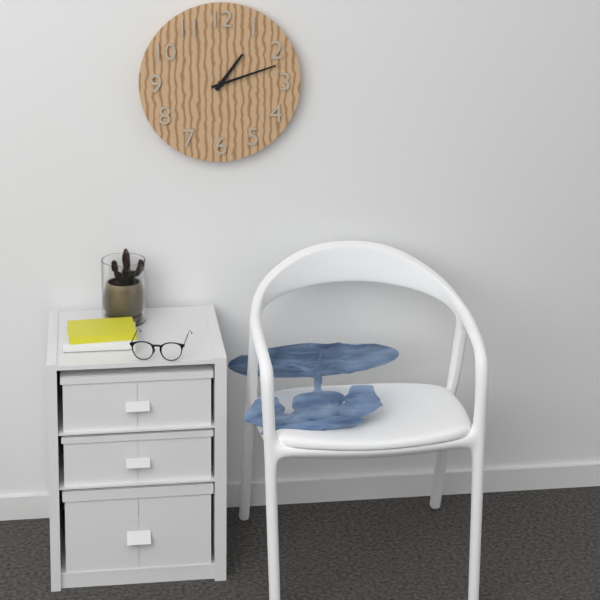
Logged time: {"hour": 1, "minute": 12}
